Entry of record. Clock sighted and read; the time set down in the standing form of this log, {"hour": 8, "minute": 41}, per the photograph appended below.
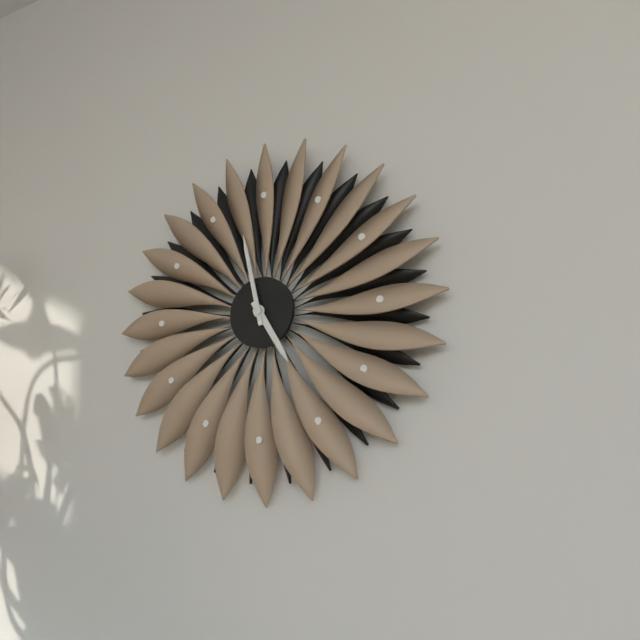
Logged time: {"hour": 4, "minute": 58}
